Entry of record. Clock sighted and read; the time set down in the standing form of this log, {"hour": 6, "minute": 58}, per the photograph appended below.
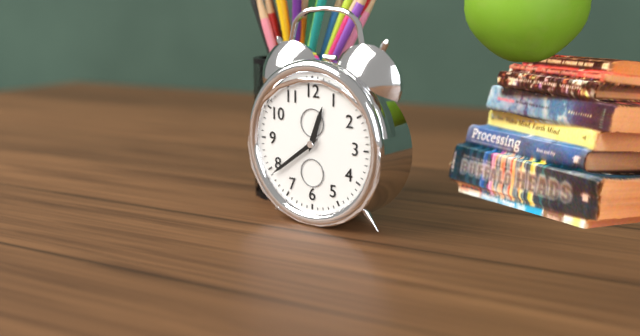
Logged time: {"hour": 12, "minute": 39}
